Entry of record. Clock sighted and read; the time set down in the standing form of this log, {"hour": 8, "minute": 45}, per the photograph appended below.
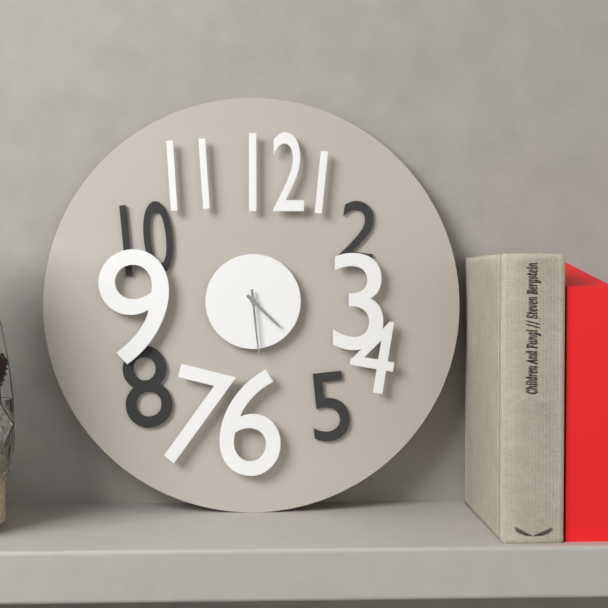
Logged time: {"hour": 4, "minute": 29}
